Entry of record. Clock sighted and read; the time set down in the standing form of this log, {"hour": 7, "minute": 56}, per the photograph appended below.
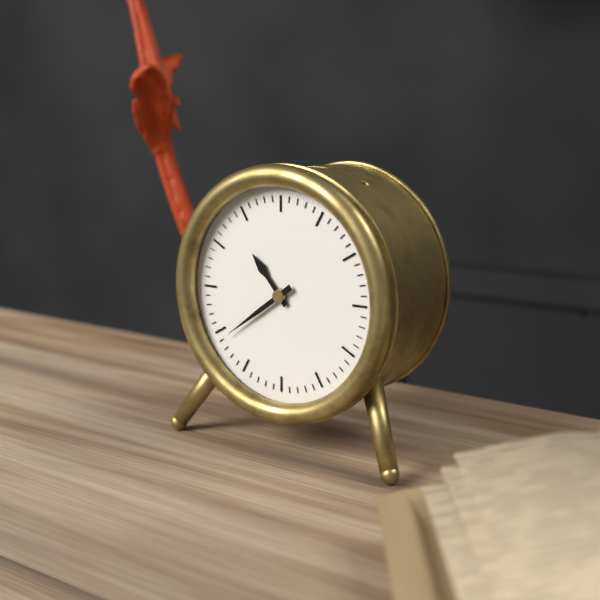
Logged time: {"hour": 10, "minute": 39}
